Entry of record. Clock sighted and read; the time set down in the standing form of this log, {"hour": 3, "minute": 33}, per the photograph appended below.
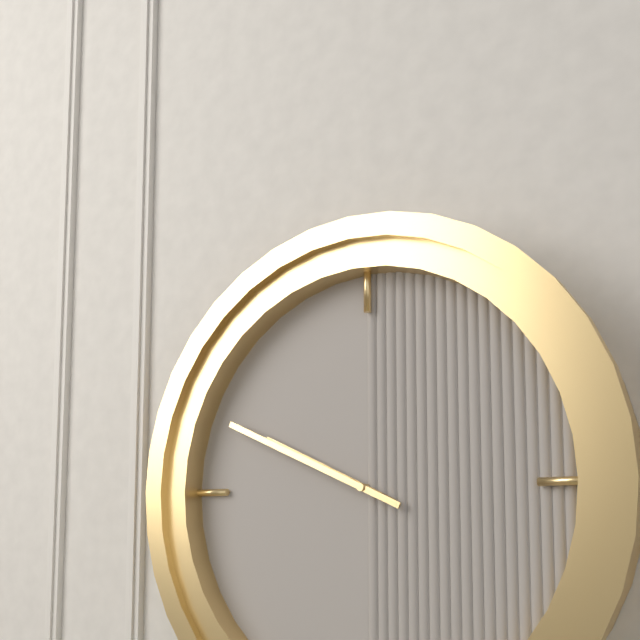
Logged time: {"hour": 9, "minute": 49}
